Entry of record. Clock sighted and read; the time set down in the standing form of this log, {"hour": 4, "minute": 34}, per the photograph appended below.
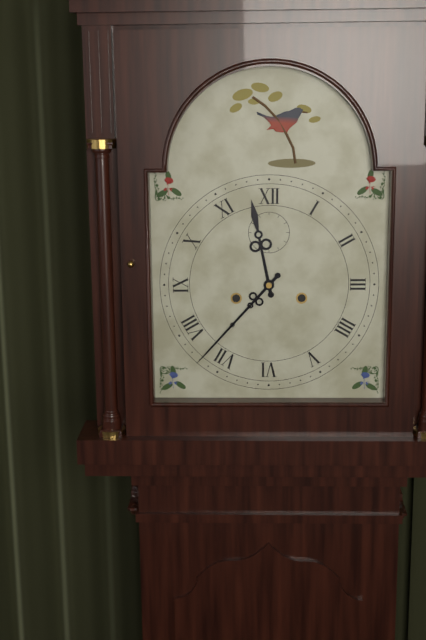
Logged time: {"hour": 11, "minute": 37}
